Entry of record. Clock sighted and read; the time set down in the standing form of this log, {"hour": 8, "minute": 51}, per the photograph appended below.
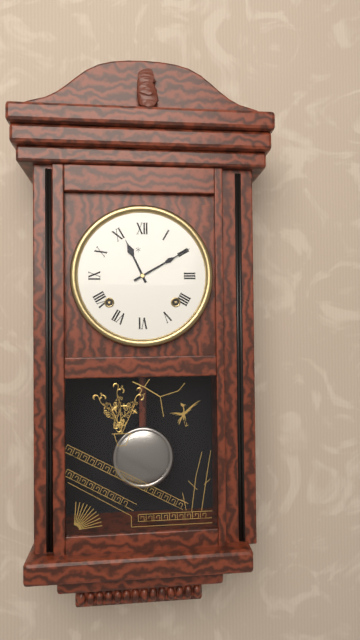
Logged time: {"hour": 11, "minute": 10}
